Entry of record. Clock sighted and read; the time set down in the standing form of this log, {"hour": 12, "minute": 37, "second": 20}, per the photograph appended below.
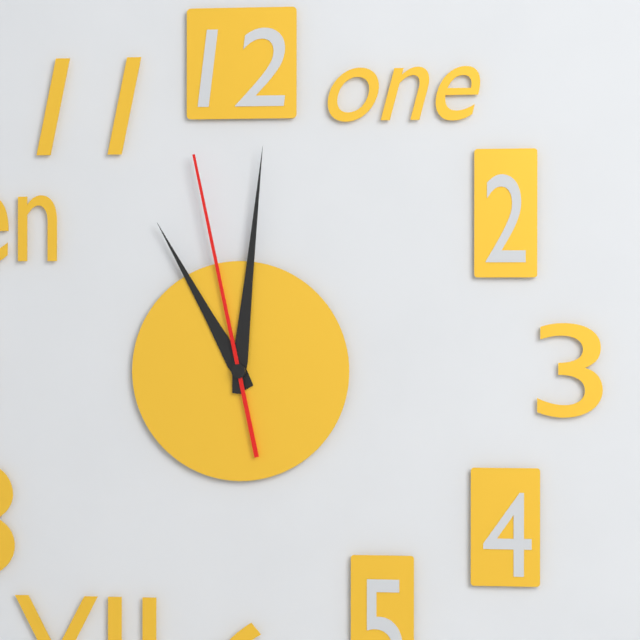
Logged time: {"hour": 11, "minute": 1, "second": 58}
